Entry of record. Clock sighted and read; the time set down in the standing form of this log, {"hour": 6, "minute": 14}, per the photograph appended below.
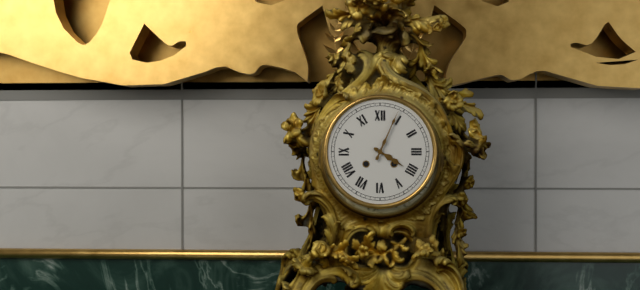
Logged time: {"hour": 4, "minute": 4}
